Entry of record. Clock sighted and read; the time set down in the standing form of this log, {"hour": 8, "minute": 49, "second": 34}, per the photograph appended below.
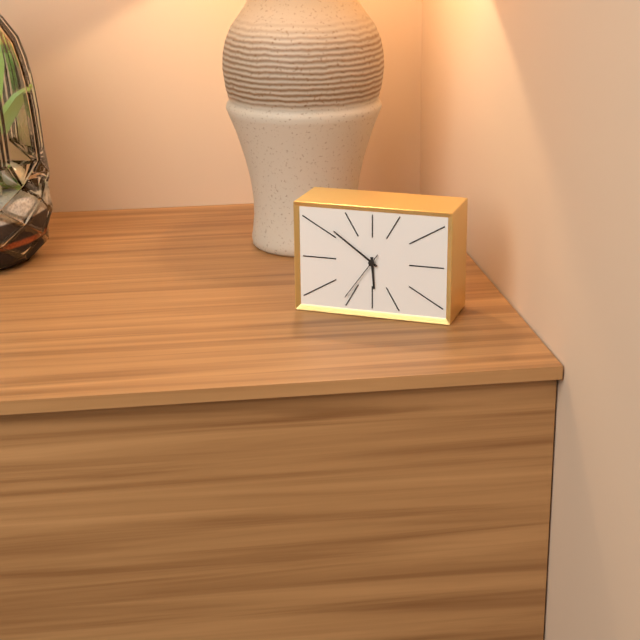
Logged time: {"hour": 5, "minute": 51, "second": 36}
